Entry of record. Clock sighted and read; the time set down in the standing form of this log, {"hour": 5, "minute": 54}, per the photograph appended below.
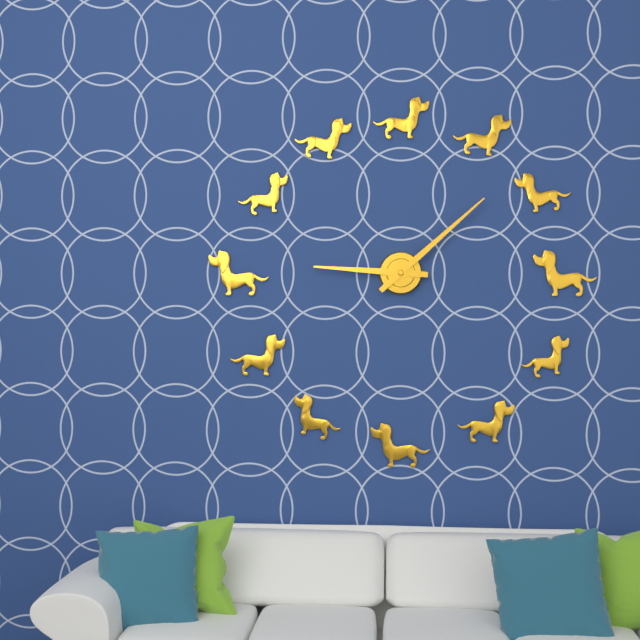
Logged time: {"hour": 9, "minute": 8}
